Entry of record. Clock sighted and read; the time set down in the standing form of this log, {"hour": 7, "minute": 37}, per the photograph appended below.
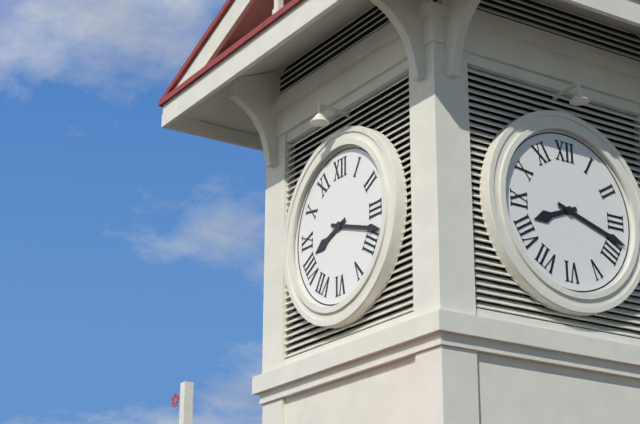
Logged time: {"hour": 8, "minute": 18}
